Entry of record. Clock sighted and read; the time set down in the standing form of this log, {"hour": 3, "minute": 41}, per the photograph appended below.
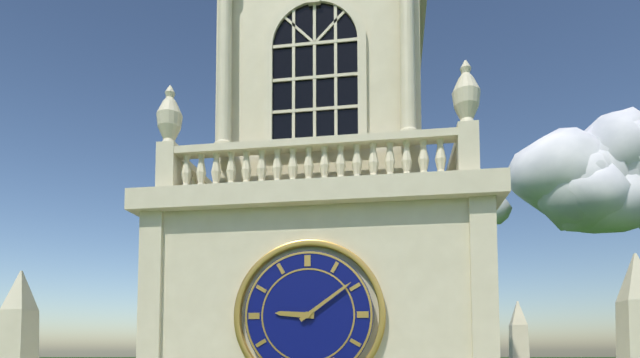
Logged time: {"hour": 9, "minute": 9}
